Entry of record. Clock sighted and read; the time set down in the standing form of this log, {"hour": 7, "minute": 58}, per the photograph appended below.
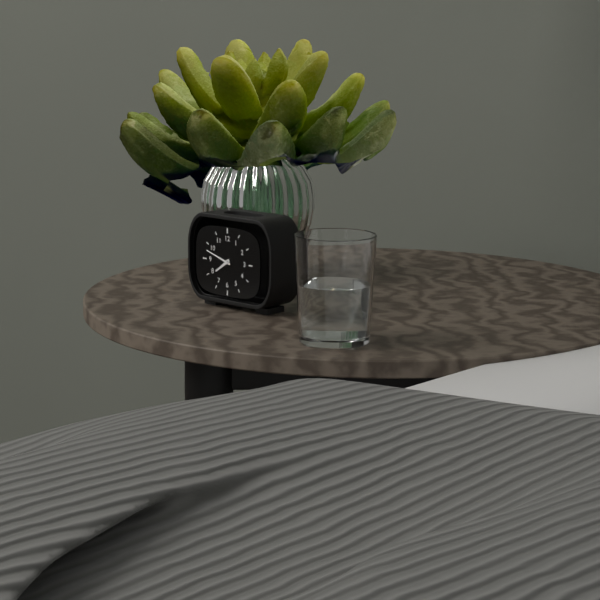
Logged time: {"hour": 7, "minute": 48}
